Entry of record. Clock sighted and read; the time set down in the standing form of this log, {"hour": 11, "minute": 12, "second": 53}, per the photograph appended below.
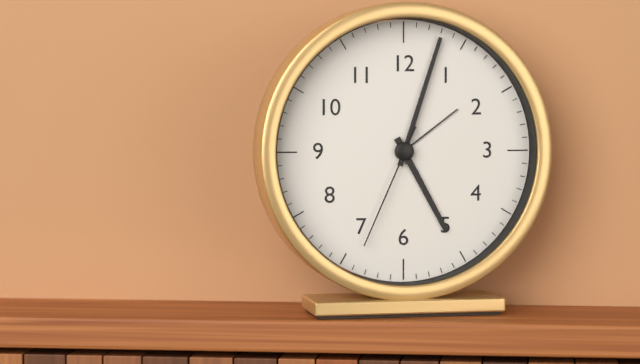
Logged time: {"hour": 5, "minute": 3, "second": 34}
